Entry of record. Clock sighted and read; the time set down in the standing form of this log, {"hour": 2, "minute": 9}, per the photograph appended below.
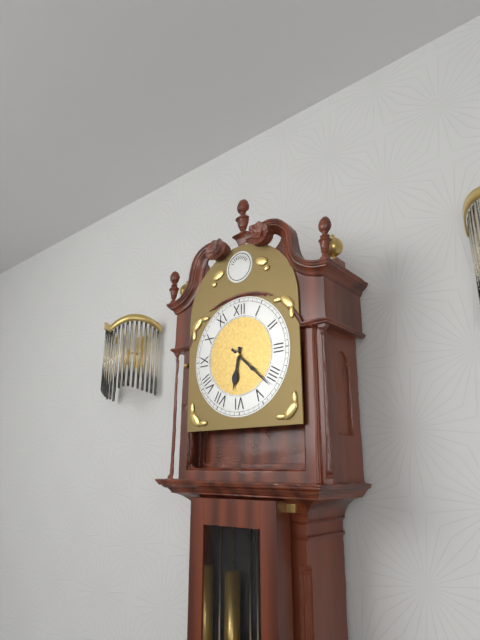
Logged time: {"hour": 6, "minute": 22}
